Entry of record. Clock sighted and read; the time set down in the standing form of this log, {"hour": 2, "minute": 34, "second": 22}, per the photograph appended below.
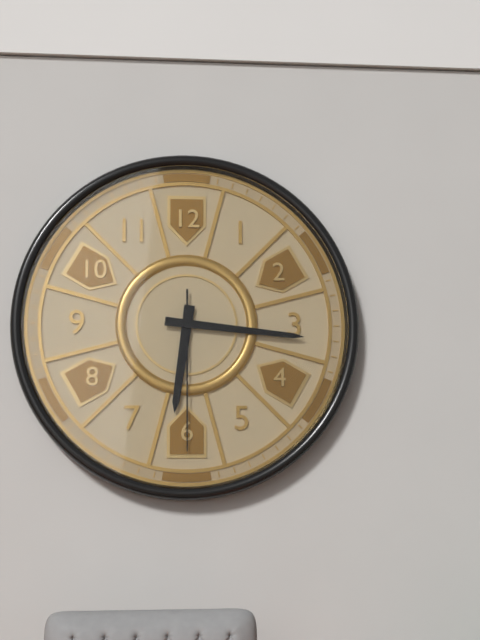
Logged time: {"hour": 6, "minute": 16, "second": 30}
